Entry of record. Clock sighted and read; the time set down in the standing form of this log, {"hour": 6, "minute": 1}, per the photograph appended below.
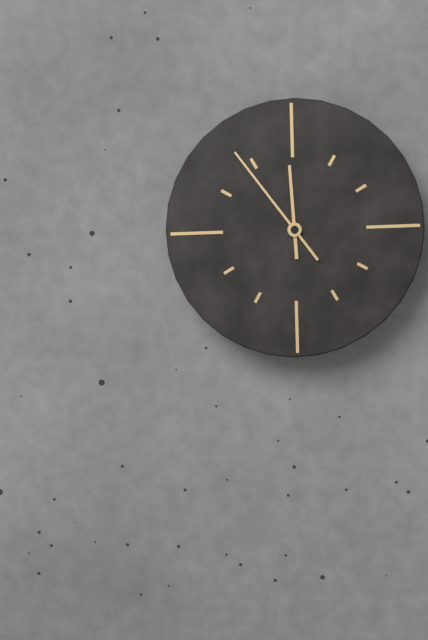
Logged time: {"hour": 11, "minute": 54}
